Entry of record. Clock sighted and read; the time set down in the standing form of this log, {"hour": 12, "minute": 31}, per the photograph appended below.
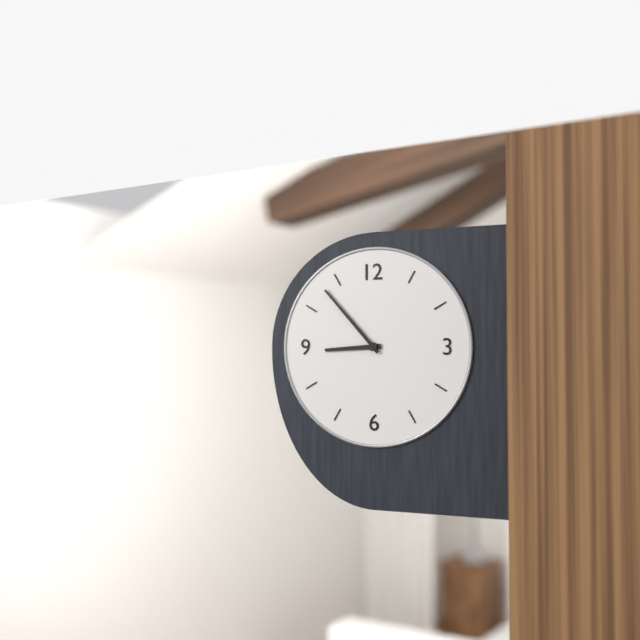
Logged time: {"hour": 8, "minute": 53}
